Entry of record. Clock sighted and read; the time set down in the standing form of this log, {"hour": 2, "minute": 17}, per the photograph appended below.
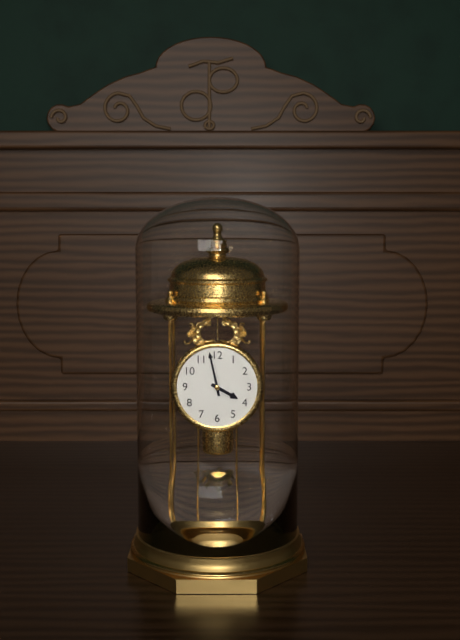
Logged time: {"hour": 3, "minute": 58}
